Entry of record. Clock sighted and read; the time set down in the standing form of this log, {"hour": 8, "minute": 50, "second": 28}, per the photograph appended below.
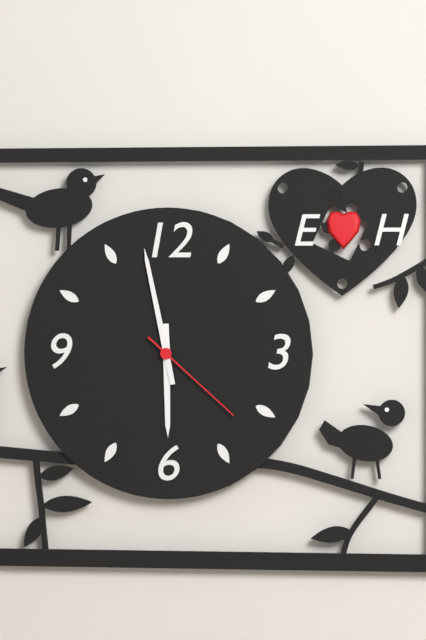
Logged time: {"hour": 5, "minute": 58, "second": 22}
